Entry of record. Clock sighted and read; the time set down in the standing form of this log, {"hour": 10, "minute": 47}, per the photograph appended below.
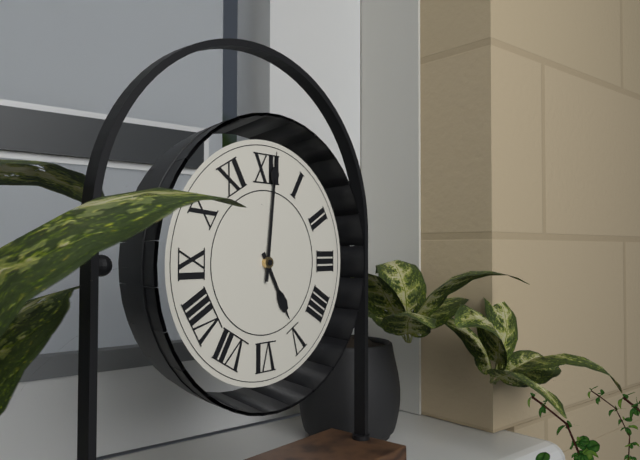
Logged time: {"hour": 5, "minute": 1}
